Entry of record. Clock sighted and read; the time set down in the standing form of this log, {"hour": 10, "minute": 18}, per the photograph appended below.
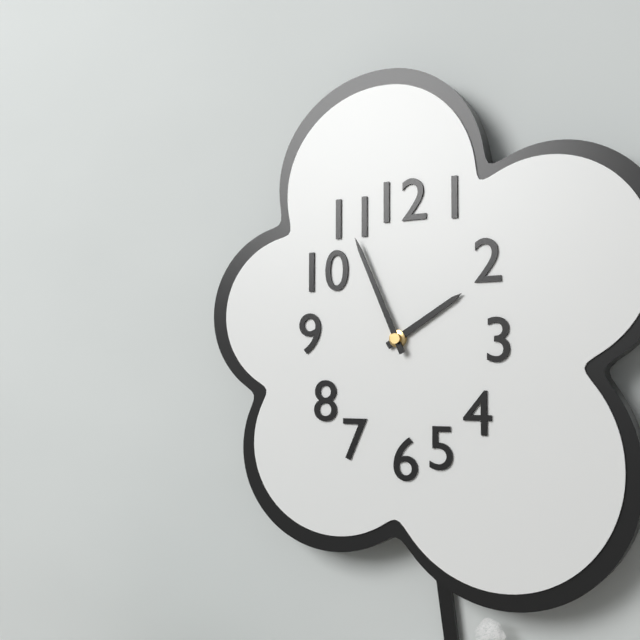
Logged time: {"hour": 1, "minute": 56}
